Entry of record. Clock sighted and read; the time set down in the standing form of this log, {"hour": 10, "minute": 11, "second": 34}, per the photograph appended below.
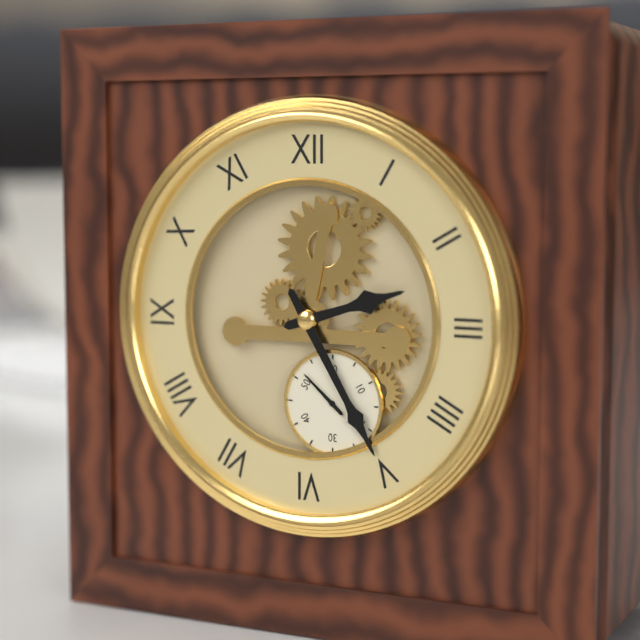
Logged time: {"hour": 2, "minute": 25, "second": 52}
